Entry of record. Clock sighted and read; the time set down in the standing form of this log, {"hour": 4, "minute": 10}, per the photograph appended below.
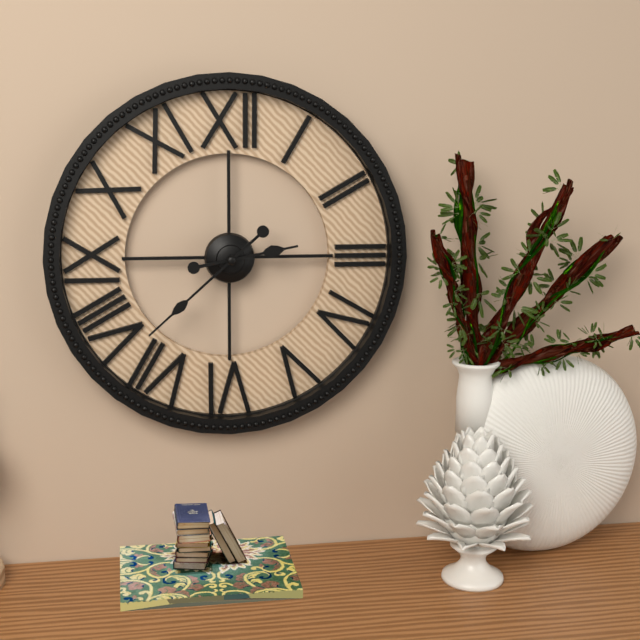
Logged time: {"hour": 2, "minute": 38}
